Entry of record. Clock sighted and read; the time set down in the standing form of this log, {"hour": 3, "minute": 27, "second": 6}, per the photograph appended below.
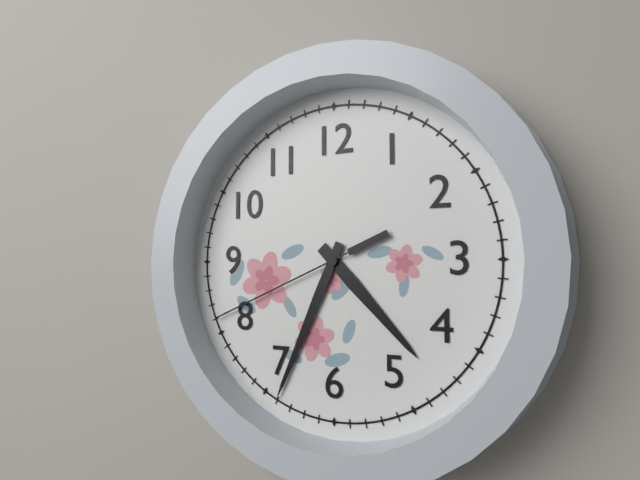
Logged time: {"hour": 4, "minute": 34, "second": 41}
